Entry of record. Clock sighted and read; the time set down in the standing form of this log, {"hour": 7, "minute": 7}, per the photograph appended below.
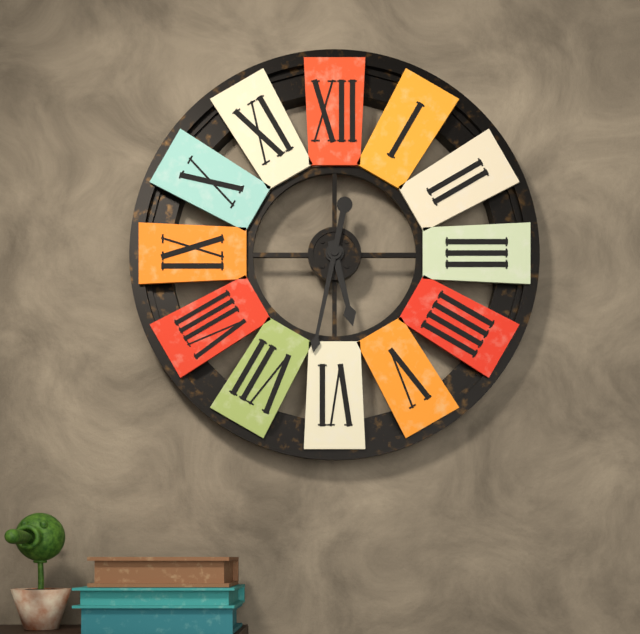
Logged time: {"hour": 5, "minute": 32}
